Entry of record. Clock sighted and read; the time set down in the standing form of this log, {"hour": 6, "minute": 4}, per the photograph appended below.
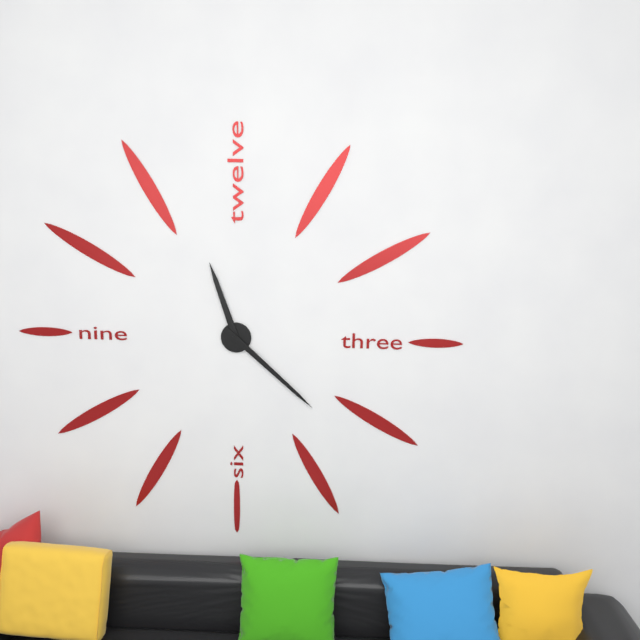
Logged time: {"hour": 11, "minute": 22}
